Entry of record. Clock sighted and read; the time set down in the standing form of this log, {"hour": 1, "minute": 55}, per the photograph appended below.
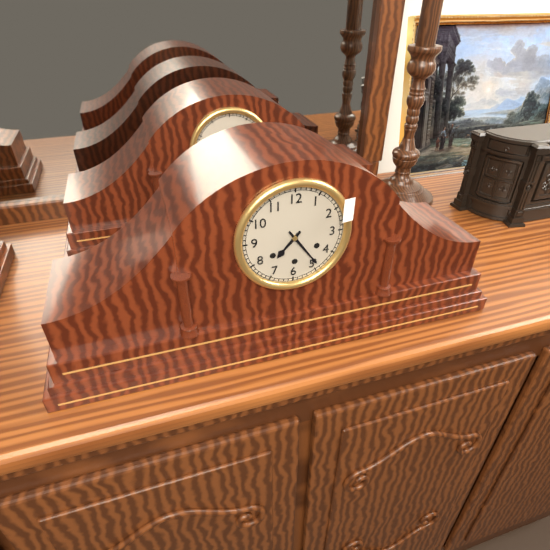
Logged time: {"hour": 7, "minute": 24}
